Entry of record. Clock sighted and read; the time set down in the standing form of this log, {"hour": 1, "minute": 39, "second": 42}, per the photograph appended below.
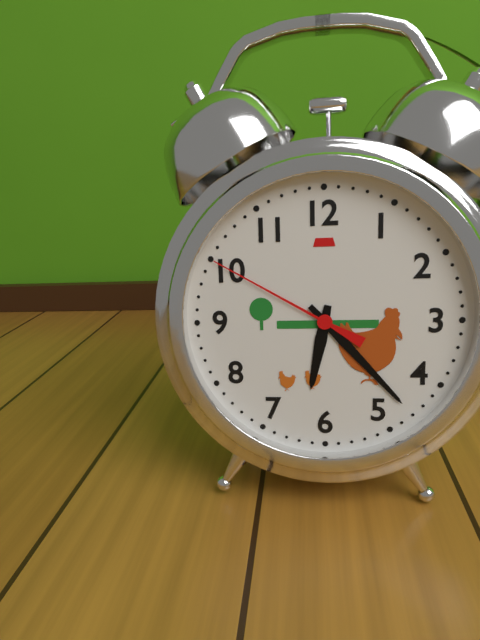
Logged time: {"hour": 6, "minute": 23, "second": 50}
